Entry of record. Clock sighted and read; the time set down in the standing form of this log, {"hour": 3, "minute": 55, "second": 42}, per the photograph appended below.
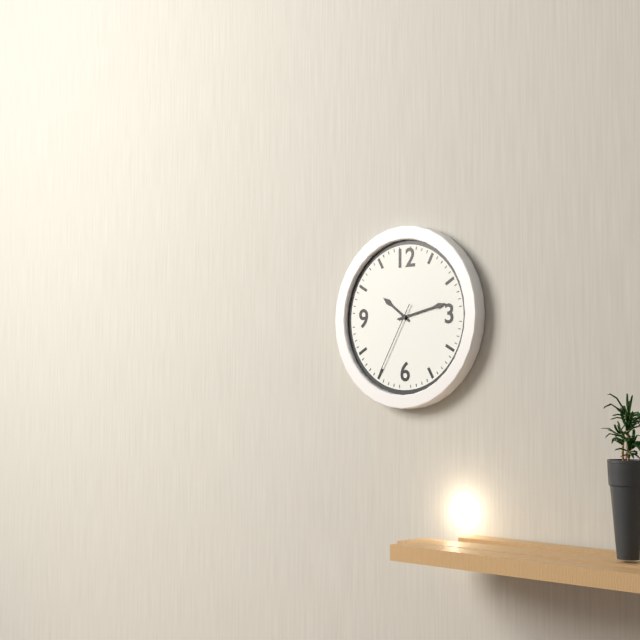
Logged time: {"hour": 10, "minute": 13, "second": 35}
